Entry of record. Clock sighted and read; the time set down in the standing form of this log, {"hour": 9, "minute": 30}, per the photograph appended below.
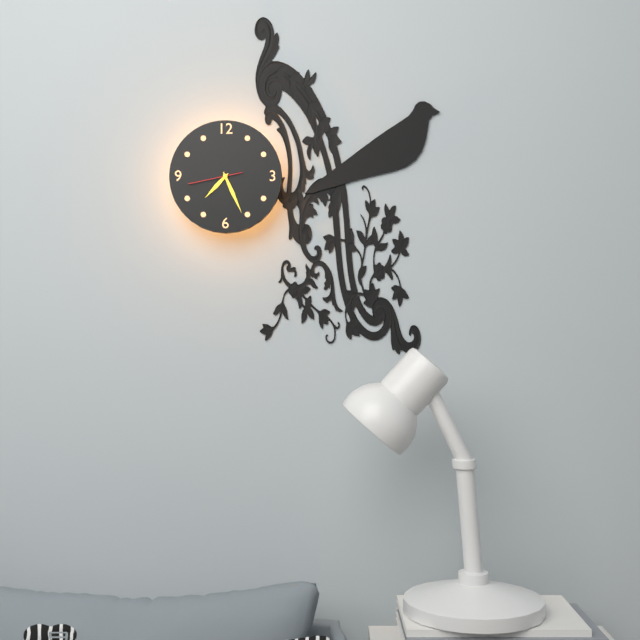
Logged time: {"hour": 7, "minute": 26}
